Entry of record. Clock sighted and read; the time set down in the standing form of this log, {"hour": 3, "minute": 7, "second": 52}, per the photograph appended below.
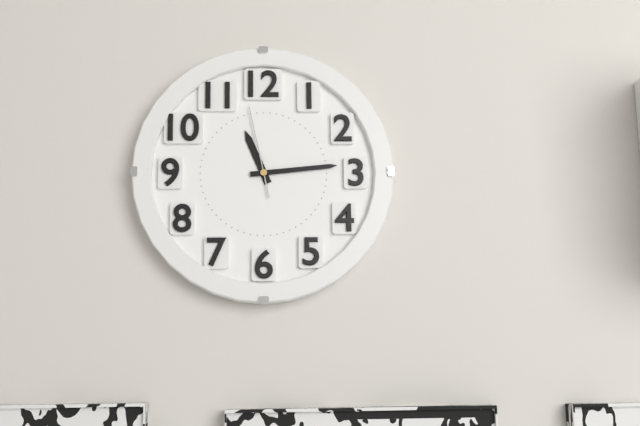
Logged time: {"hour": 11, "minute": 14, "second": 58}
